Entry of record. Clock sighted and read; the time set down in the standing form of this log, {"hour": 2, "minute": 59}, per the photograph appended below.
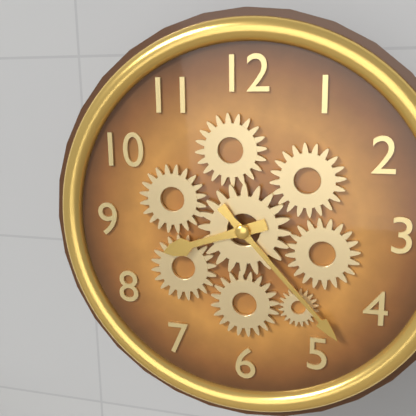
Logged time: {"hour": 8, "minute": 23}
